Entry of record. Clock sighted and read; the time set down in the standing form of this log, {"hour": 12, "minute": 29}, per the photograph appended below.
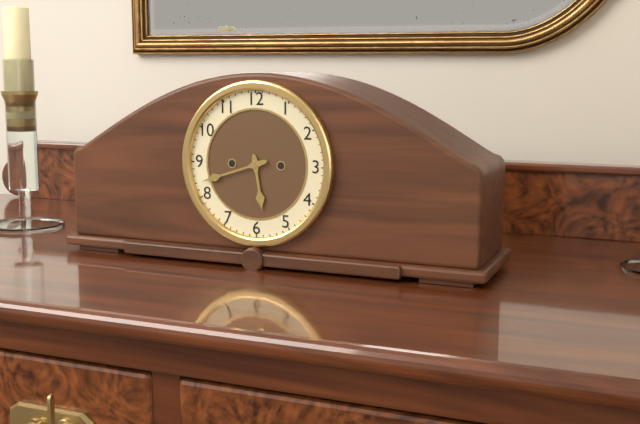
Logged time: {"hour": 5, "minute": 42}
